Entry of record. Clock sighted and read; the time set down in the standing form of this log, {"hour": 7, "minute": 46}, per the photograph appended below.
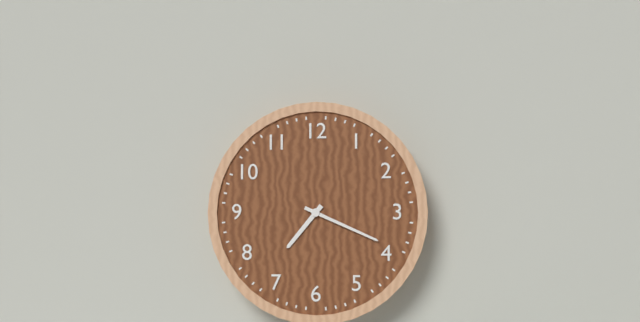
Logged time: {"hour": 7, "minute": 19}
